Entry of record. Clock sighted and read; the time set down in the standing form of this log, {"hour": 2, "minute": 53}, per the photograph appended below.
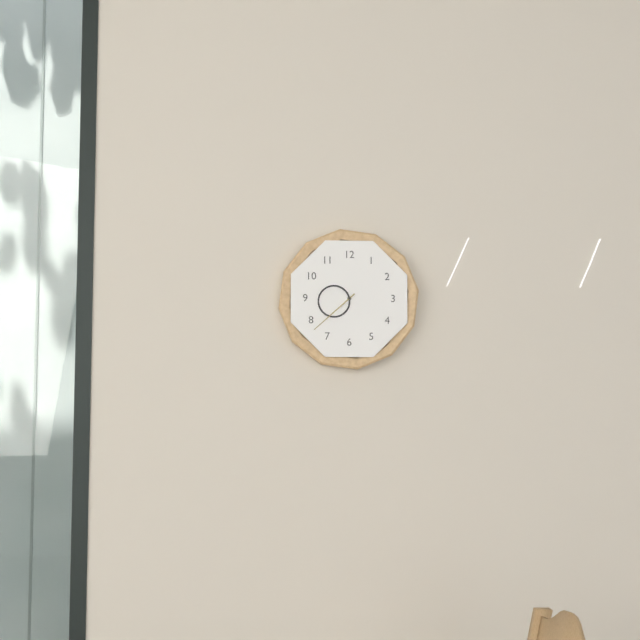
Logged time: {"hour": 8, "minute": 38}
